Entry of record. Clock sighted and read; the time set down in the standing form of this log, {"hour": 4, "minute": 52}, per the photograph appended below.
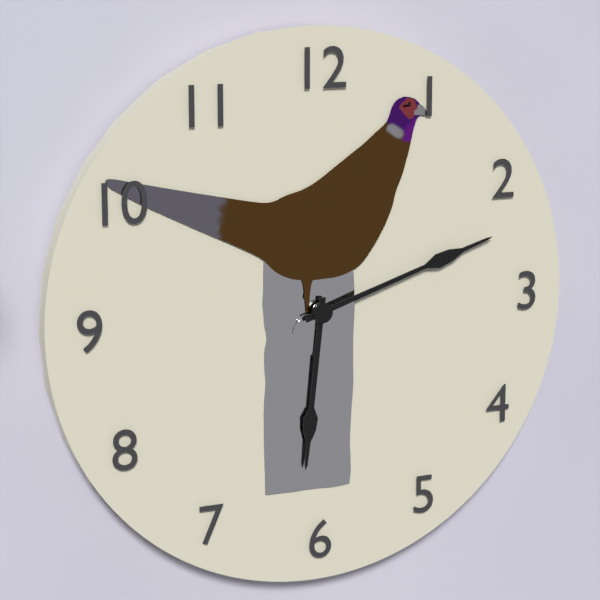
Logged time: {"hour": 6, "minute": 12}
